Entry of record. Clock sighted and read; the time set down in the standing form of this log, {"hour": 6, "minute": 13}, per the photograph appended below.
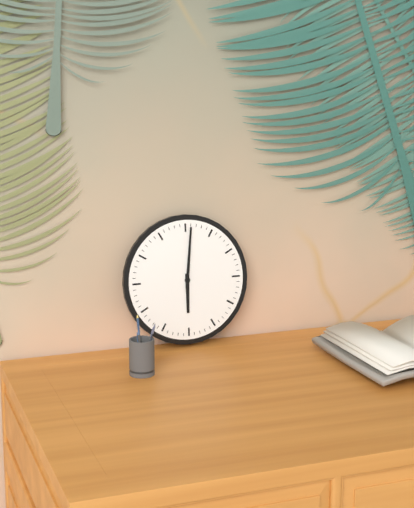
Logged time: {"hour": 6, "minute": 1}
